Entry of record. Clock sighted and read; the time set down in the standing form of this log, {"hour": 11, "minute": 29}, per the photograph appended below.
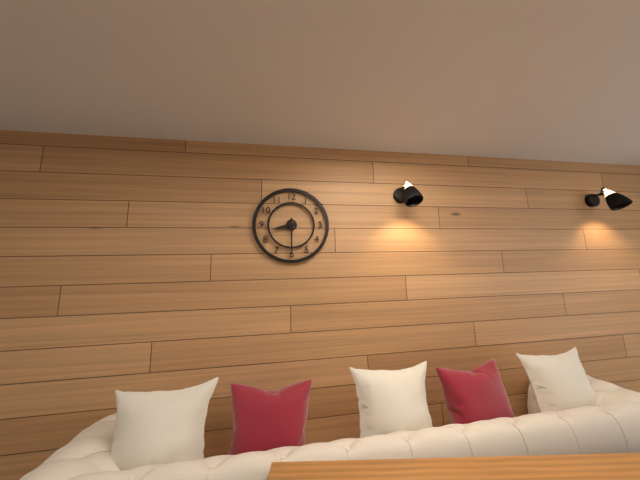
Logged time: {"hour": 8, "minute": 30}
